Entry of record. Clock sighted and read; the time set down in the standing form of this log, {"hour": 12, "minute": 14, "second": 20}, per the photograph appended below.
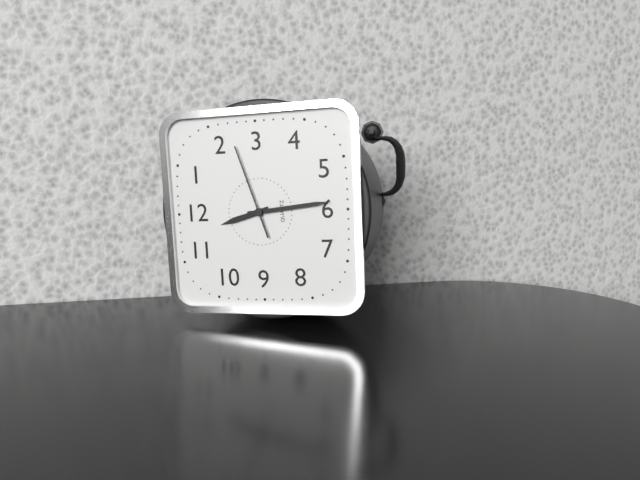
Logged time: {"hour": 11, "minute": 29, "second": 12}
